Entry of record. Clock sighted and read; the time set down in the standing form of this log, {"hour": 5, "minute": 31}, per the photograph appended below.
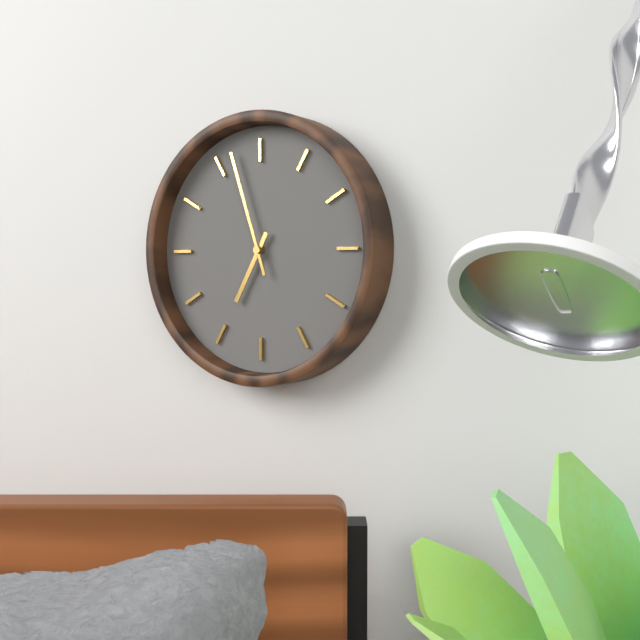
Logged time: {"hour": 6, "minute": 57}
